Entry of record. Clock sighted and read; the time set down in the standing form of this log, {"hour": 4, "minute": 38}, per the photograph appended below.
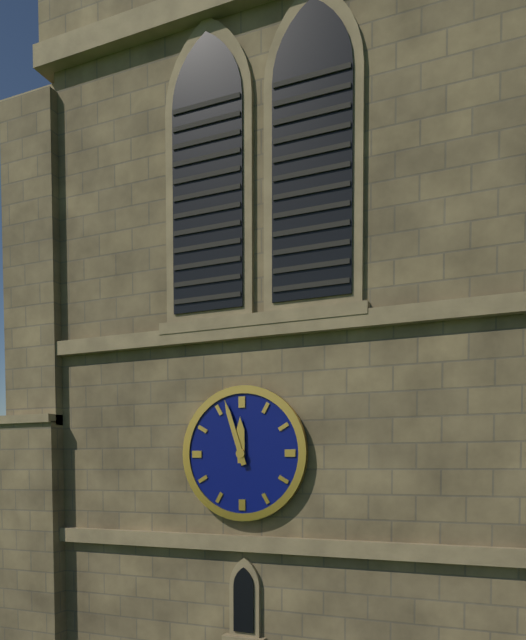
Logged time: {"hour": 11, "minute": 57}
